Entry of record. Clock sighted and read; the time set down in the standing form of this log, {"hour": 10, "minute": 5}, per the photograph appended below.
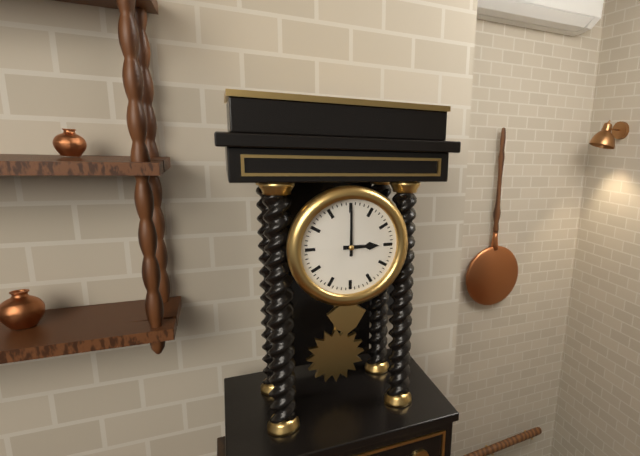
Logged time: {"hour": 3, "minute": 0}
